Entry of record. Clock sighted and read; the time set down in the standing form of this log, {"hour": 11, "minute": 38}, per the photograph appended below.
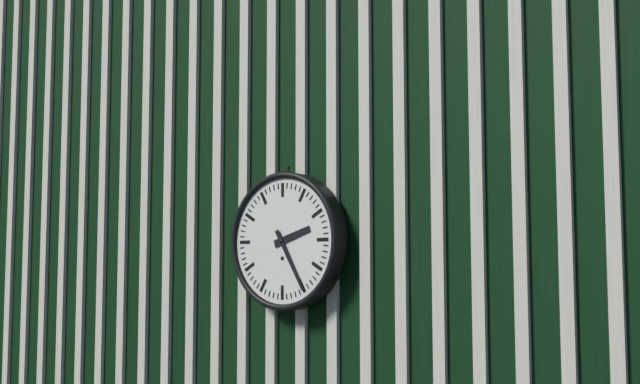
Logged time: {"hour": 2, "minute": 25}
